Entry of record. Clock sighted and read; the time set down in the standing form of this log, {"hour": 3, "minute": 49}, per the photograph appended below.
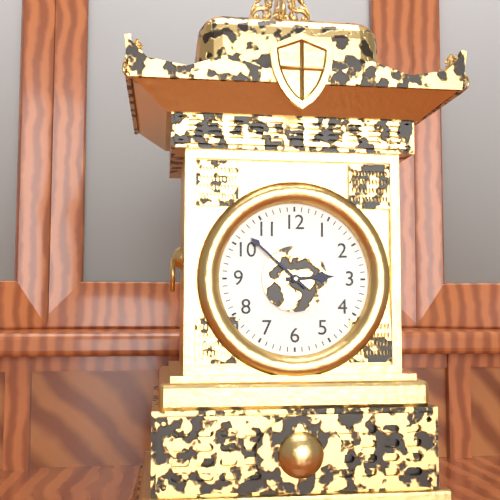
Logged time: {"hour": 2, "minute": 52}
